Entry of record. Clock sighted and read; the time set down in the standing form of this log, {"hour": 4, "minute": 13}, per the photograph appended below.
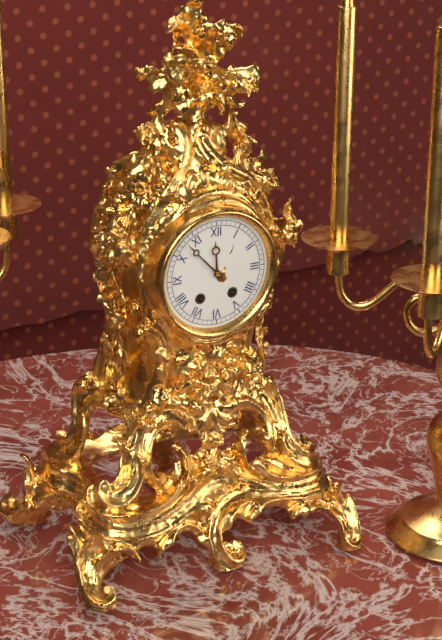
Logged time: {"hour": 11, "minute": 53}
